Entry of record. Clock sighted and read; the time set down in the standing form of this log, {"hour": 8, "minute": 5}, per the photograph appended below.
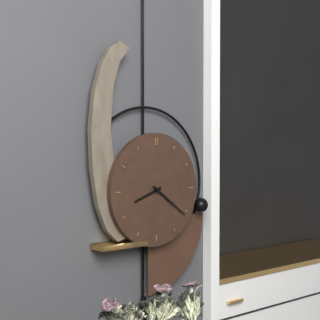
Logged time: {"hour": 8, "minute": 21}
